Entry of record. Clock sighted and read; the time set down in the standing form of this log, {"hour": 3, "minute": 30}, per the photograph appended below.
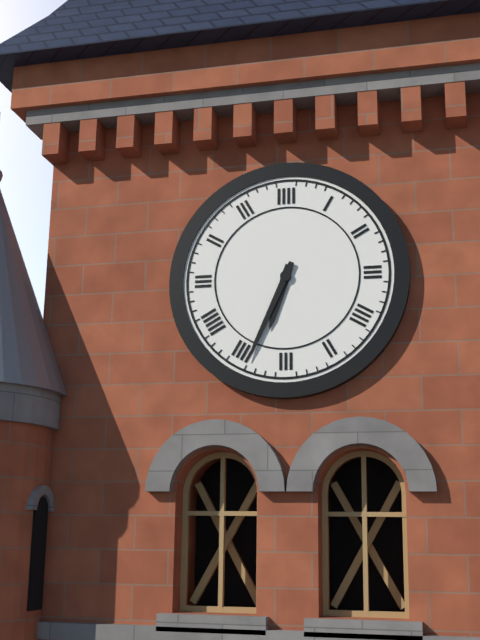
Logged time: {"hour": 6, "minute": 34}
